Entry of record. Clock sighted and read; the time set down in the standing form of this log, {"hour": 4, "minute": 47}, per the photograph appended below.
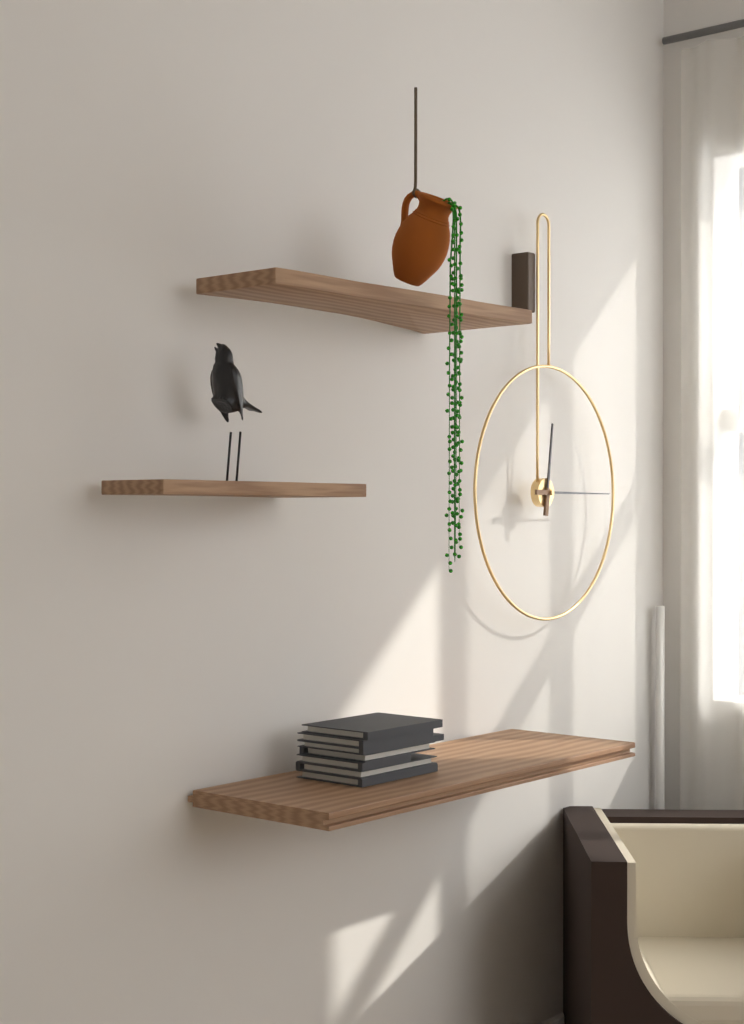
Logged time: {"hour": 12, "minute": 15}
